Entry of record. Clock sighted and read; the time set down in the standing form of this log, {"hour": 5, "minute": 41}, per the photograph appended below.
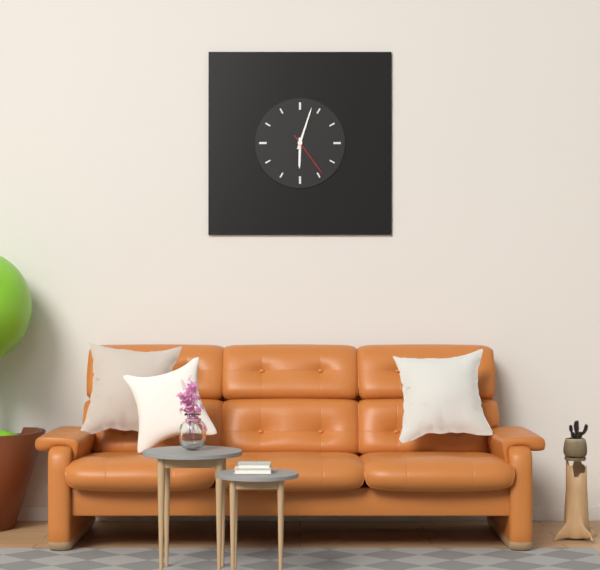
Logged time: {"hour": 6, "minute": 3}
